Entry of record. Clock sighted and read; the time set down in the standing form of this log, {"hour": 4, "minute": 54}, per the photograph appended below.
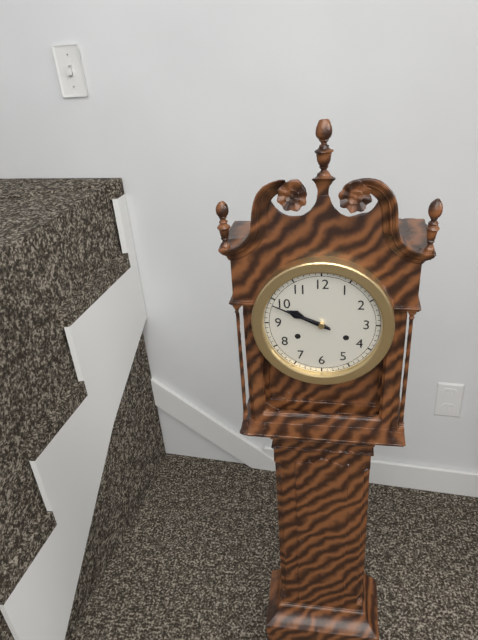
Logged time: {"hour": 9, "minute": 49}
